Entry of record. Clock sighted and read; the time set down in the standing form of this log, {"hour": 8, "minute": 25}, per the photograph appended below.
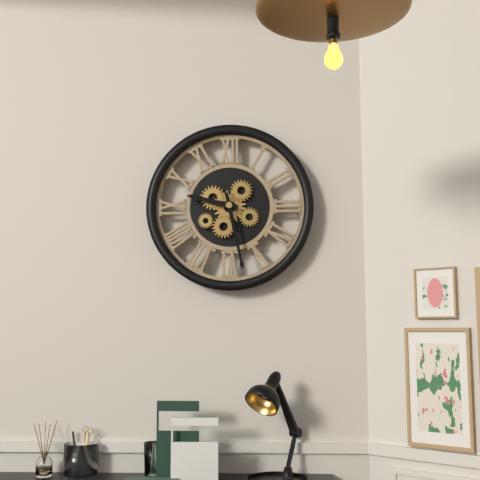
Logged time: {"hour": 9, "minute": 28}
